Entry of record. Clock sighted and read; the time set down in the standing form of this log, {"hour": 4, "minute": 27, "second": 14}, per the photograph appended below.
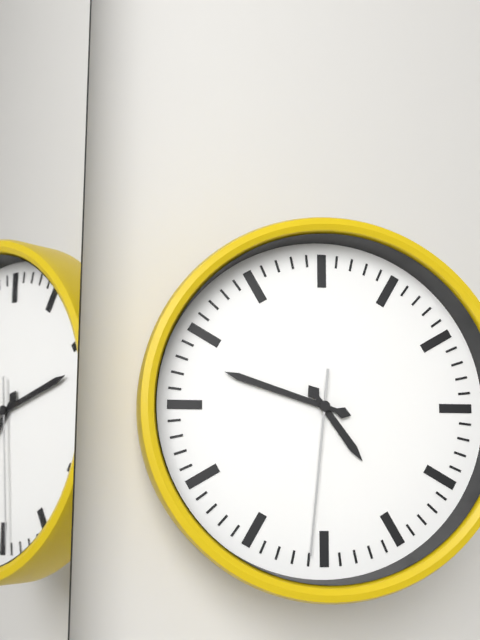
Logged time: {"hour": 4, "minute": 48, "second": 31}
